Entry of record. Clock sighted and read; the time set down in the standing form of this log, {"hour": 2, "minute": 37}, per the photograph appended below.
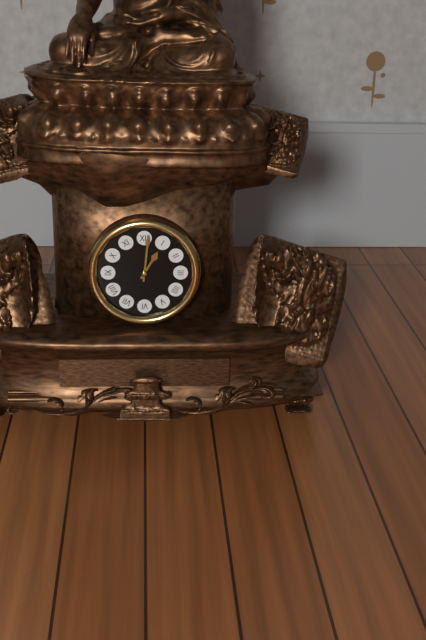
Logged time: {"hour": 1, "minute": 1}
